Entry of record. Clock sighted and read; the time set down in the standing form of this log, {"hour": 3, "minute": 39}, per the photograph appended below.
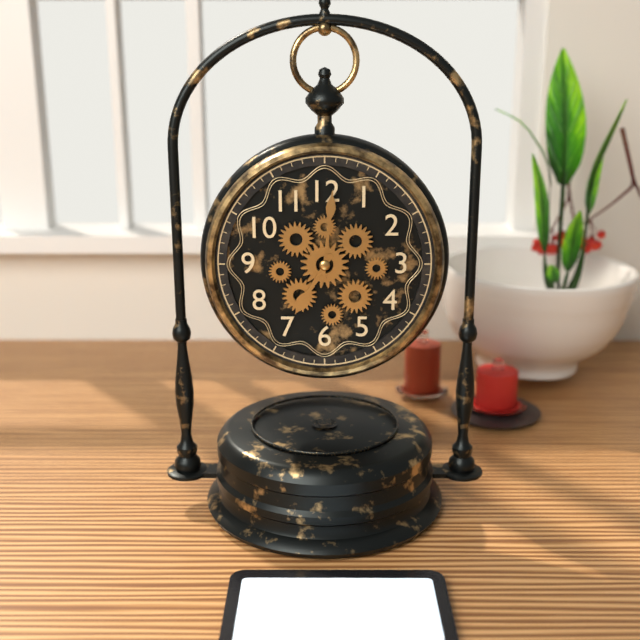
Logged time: {"hour": 7, "minute": 1}
